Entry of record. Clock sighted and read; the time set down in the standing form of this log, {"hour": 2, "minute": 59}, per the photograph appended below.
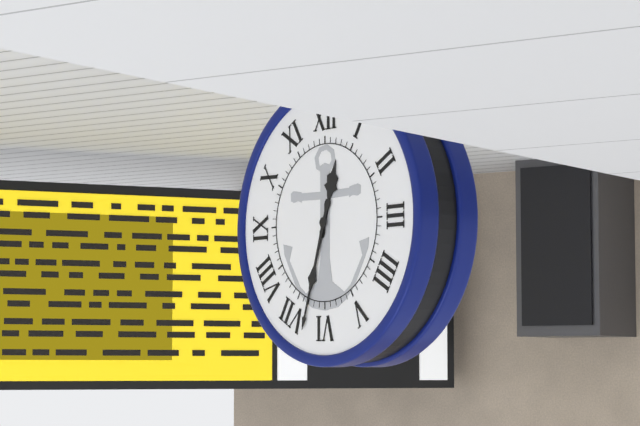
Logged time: {"hour": 12, "minute": 33}
